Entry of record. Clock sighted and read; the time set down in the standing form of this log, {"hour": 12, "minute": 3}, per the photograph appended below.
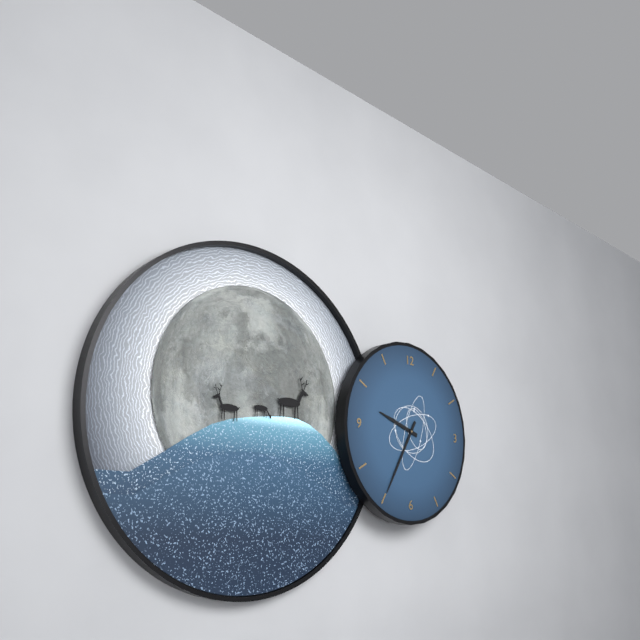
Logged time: {"hour": 9, "minute": 35}
